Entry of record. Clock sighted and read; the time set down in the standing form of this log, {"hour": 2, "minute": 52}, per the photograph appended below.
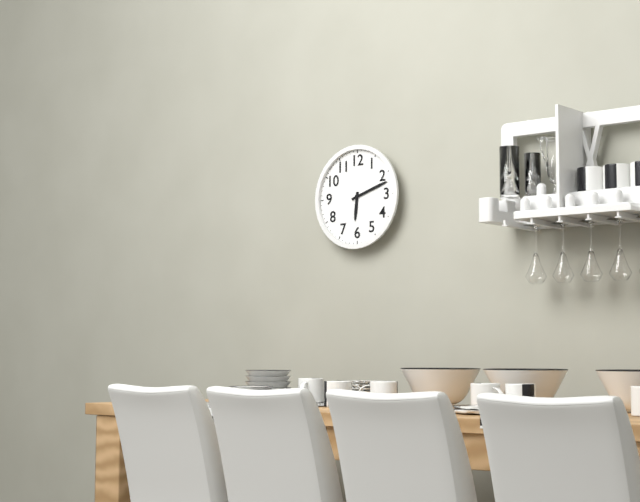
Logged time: {"hour": 6, "minute": 12}
